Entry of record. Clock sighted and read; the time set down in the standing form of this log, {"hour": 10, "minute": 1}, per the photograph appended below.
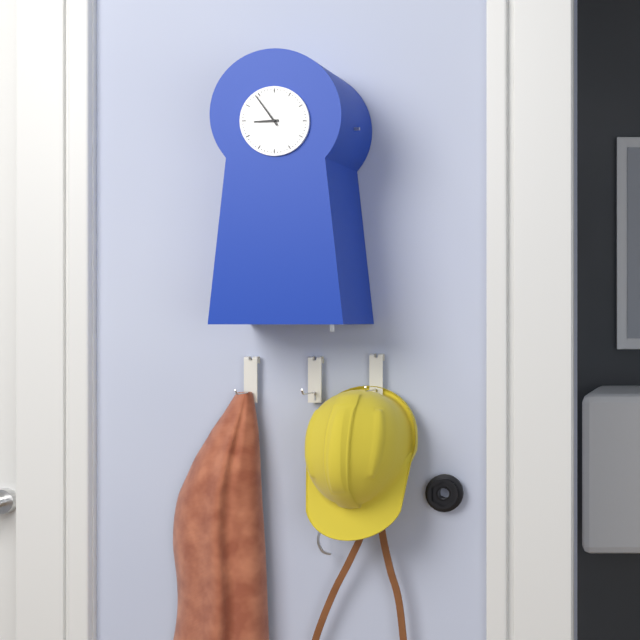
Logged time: {"hour": 8, "minute": 54}
